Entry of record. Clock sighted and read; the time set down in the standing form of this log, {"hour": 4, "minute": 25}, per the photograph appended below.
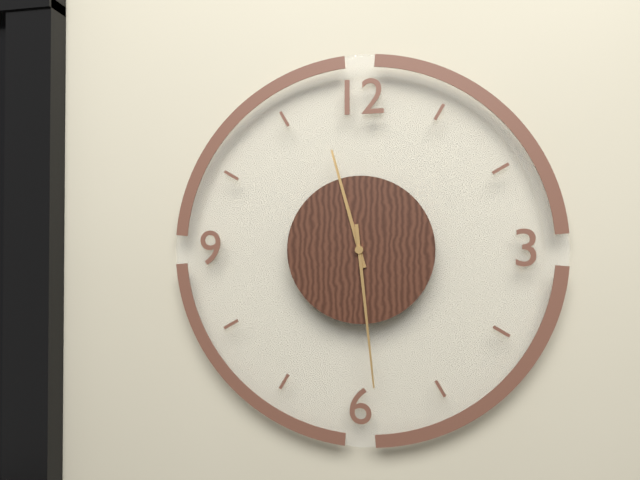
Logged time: {"hour": 11, "minute": 29}
